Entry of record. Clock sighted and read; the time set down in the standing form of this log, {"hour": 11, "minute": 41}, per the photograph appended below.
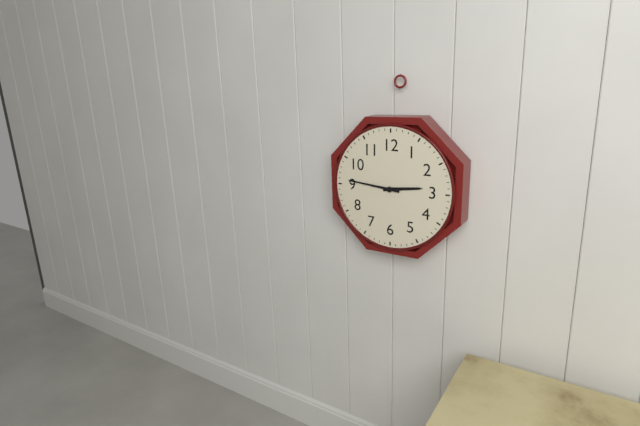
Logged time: {"hour": 2, "minute": 46}
